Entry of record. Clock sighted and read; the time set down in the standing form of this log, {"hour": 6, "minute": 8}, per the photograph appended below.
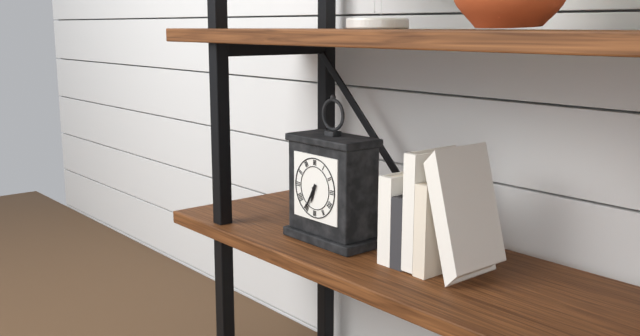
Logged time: {"hour": 6, "minute": 35}
